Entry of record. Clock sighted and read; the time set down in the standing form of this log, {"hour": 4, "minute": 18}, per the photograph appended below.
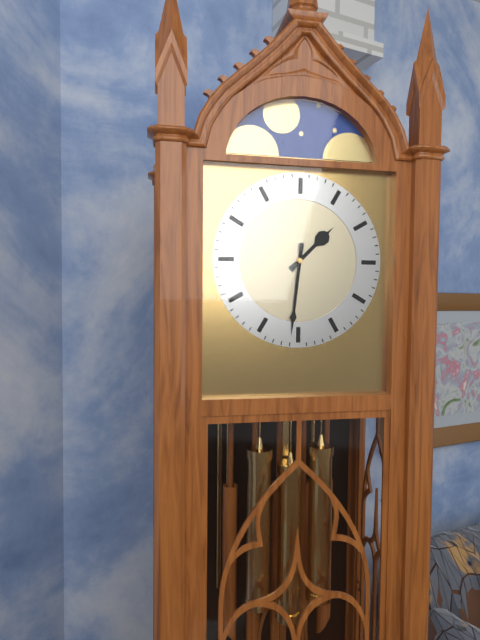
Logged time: {"hour": 1, "minute": 31}
